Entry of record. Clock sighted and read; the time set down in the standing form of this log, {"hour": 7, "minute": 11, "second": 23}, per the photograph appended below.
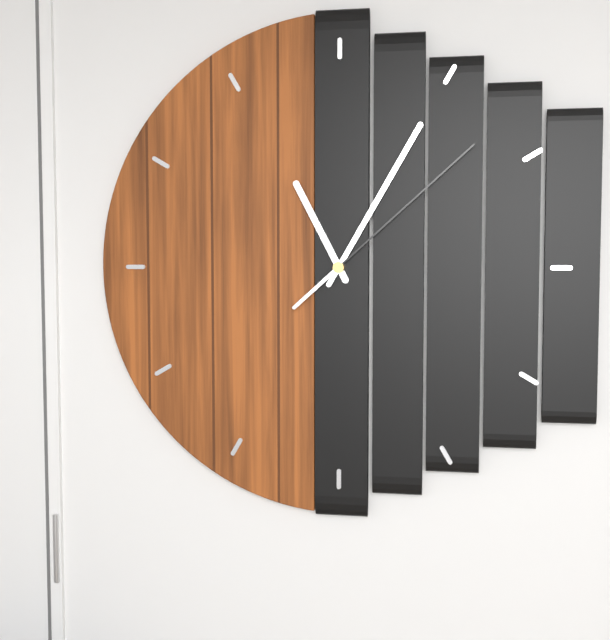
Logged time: {"hour": 11, "minute": 5, "second": 8}
